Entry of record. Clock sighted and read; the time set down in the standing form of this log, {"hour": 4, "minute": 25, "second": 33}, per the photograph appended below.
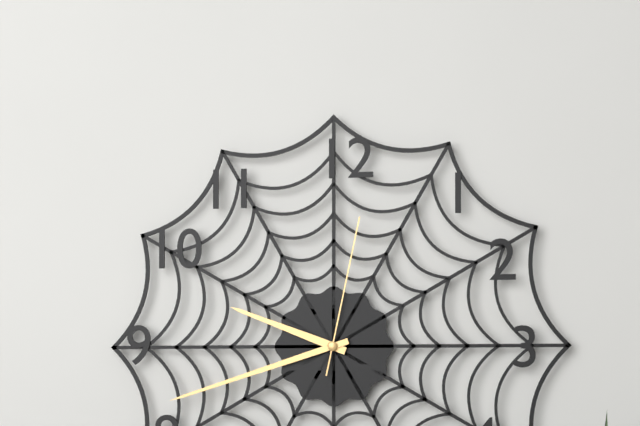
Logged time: {"hour": 9, "minute": 42, "second": 2}
